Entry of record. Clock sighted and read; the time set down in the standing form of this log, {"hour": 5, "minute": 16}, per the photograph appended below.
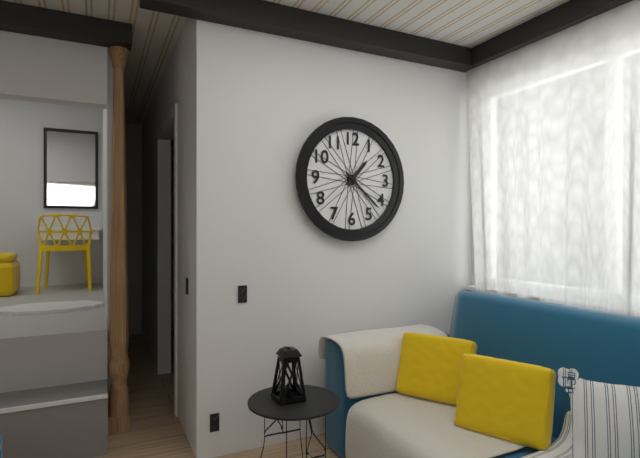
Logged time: {"hour": 1, "minute": 22}
